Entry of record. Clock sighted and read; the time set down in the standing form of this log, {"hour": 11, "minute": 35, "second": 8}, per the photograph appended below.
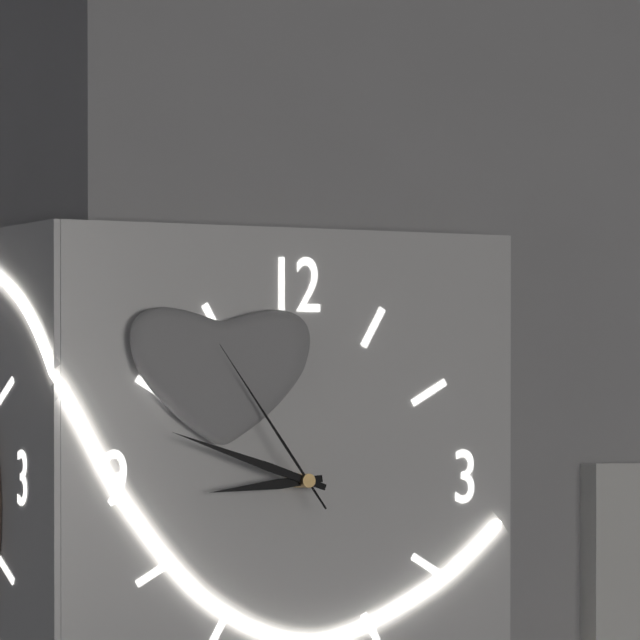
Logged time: {"hour": 8, "minute": 48, "second": 54}
